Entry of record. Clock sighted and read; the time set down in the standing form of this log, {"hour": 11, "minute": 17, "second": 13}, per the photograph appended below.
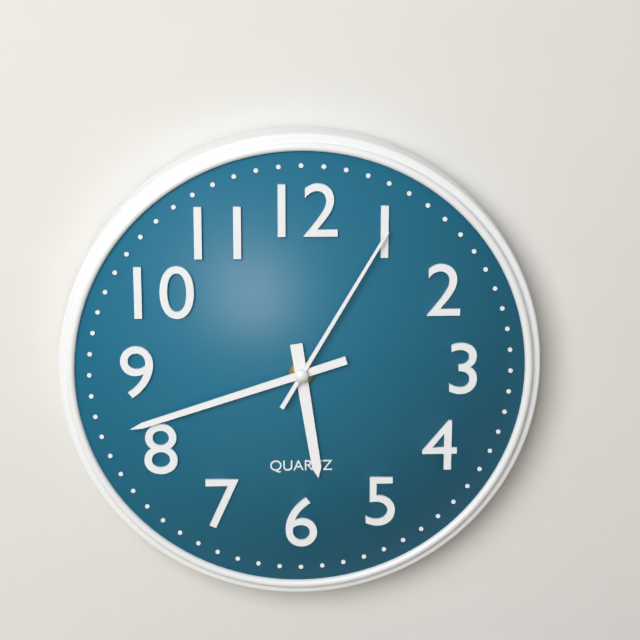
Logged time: {"hour": 5, "minute": 42, "second": 5}
